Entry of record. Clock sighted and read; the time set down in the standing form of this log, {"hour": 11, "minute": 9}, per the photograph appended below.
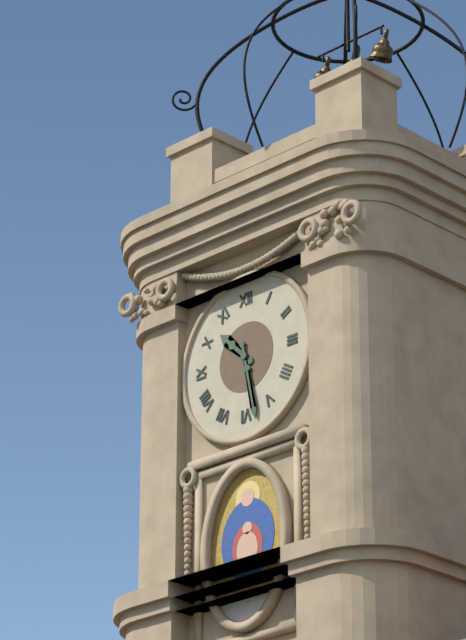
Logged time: {"hour": 10, "minute": 28}
